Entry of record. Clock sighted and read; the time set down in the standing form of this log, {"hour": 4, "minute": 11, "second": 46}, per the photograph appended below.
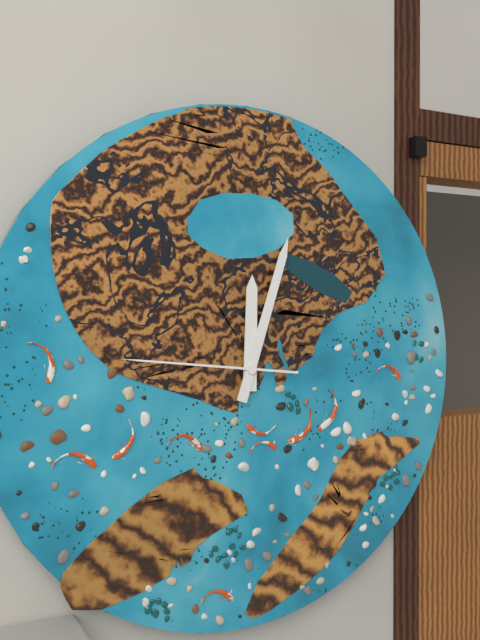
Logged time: {"hour": 12, "minute": 3, "second": 46}
